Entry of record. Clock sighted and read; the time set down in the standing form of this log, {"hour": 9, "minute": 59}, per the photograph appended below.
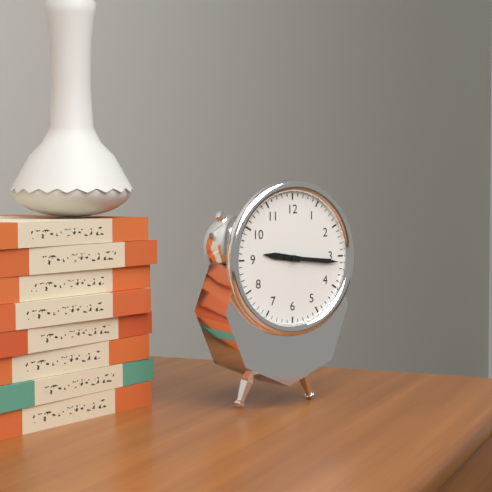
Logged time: {"hour": 9, "minute": 16}
